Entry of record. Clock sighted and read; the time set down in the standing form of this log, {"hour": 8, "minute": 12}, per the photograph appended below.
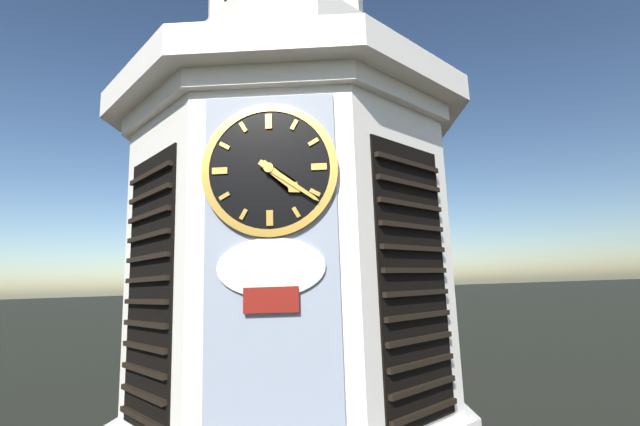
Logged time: {"hour": 4, "minute": 21}
